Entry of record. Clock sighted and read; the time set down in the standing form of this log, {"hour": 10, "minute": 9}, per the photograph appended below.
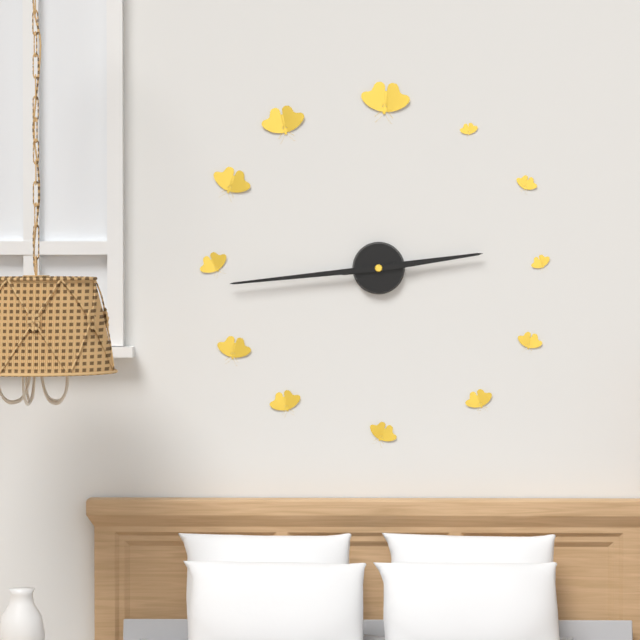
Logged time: {"hour": 2, "minute": 44}
